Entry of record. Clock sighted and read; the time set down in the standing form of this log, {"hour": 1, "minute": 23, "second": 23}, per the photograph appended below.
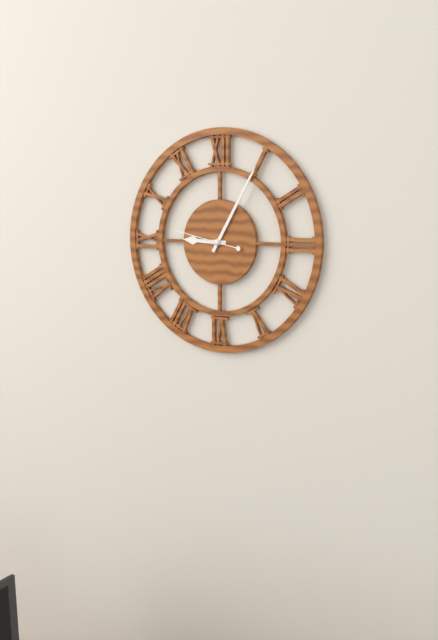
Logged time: {"hour": 9, "minute": 5, "second": 47}
